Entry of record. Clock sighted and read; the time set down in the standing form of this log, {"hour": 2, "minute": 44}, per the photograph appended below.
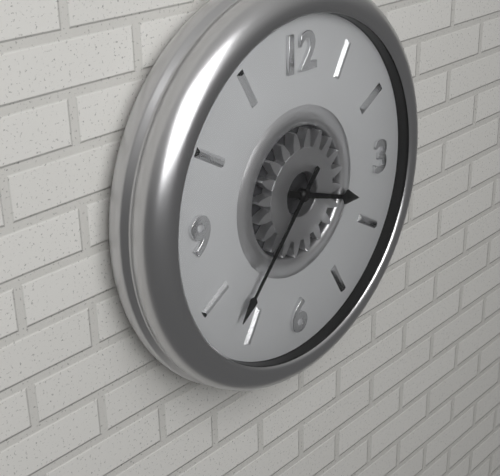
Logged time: {"hour": 3, "minute": 37}
